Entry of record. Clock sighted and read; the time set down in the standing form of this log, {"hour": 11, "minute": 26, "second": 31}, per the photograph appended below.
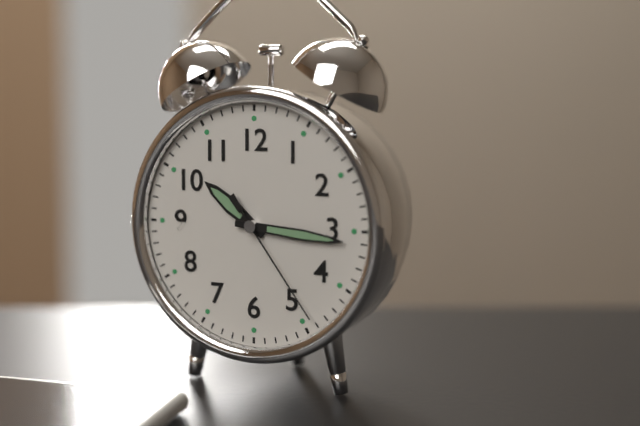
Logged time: {"hour": 10, "minute": 16, "second": 24}
